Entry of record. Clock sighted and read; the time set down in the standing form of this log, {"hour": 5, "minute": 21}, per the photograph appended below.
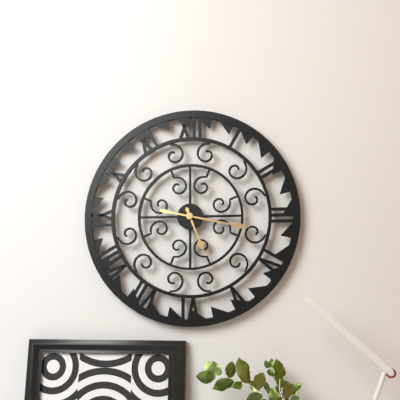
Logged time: {"hour": 5, "minute": 17}
